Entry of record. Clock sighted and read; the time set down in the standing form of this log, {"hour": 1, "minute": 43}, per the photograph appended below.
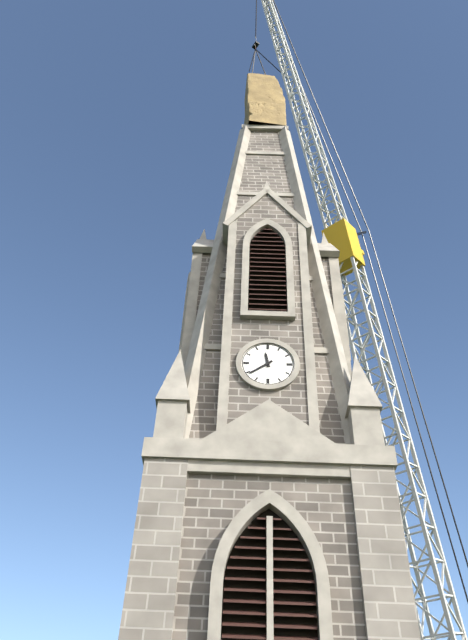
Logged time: {"hour": 11, "minute": 39}
